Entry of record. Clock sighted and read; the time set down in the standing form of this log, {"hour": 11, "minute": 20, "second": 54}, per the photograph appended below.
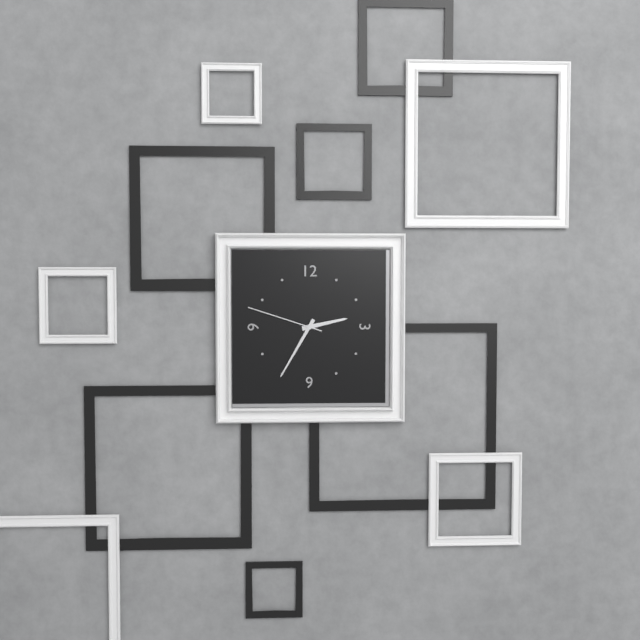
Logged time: {"hour": 2, "minute": 35, "second": 48}
